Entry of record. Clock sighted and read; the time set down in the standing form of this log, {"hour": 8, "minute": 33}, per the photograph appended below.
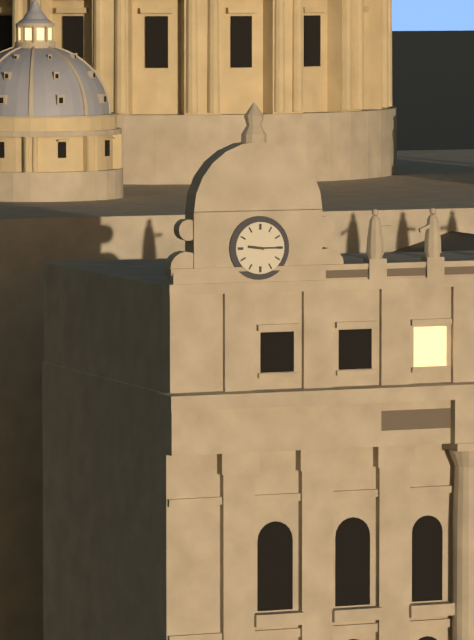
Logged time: {"hour": 9, "minute": 15}
